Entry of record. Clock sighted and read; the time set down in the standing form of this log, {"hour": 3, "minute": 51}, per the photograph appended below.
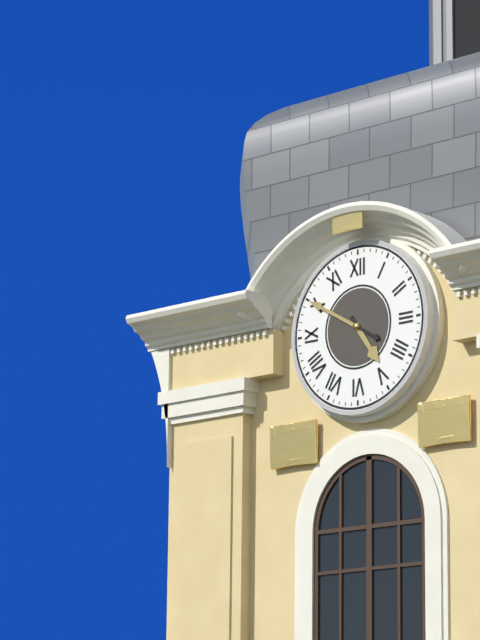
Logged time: {"hour": 4, "minute": 50}
